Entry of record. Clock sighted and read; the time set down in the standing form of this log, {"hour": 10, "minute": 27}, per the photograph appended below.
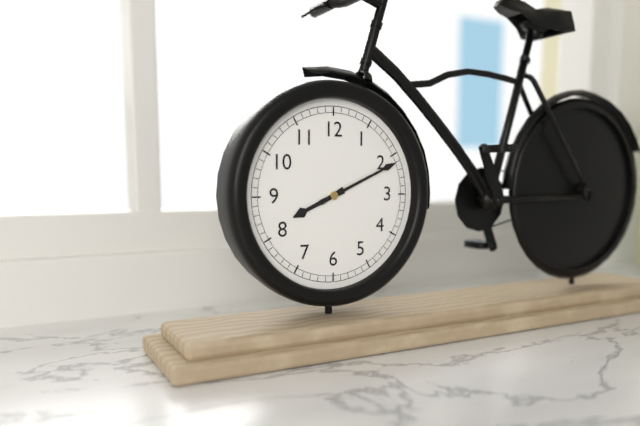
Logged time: {"hour": 8, "minute": 11}
